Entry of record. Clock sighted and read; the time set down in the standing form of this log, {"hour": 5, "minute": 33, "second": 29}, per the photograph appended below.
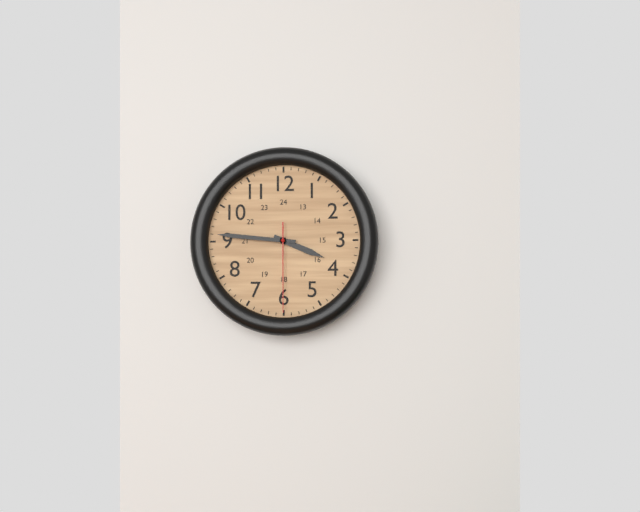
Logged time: {"hour": 3, "minute": 46, "second": 30}
